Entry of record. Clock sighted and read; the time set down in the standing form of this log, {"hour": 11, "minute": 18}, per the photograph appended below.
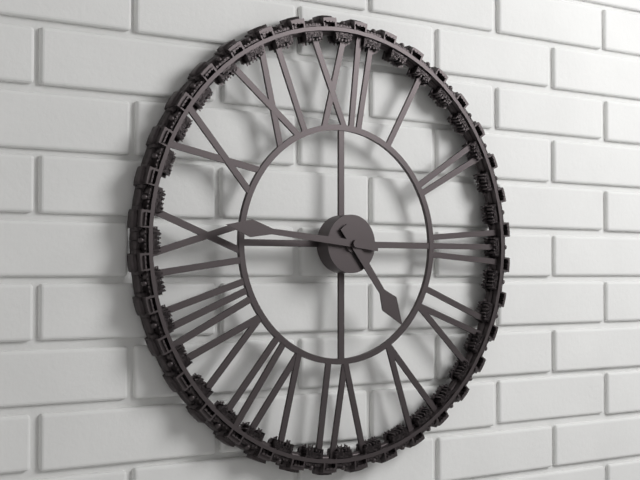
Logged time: {"hour": 4, "minute": 46}
